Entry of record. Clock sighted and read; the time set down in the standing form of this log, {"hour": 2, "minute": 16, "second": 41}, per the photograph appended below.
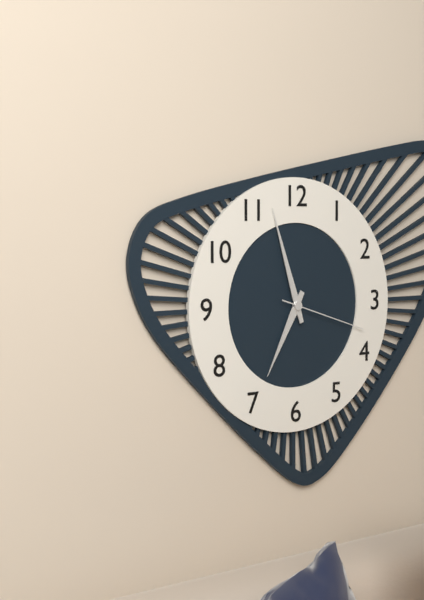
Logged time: {"hour": 6, "minute": 57, "second": 18}
